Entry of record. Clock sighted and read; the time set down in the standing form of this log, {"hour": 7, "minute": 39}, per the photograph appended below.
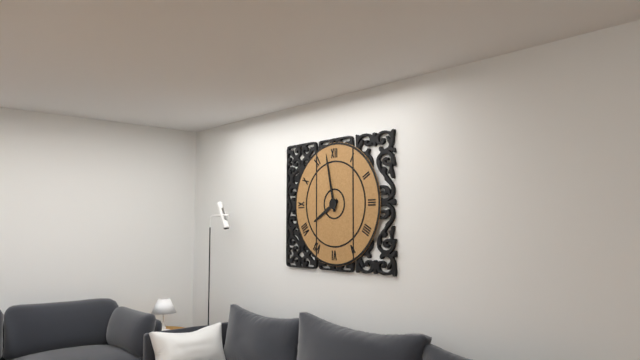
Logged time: {"hour": 7, "minute": 58}
